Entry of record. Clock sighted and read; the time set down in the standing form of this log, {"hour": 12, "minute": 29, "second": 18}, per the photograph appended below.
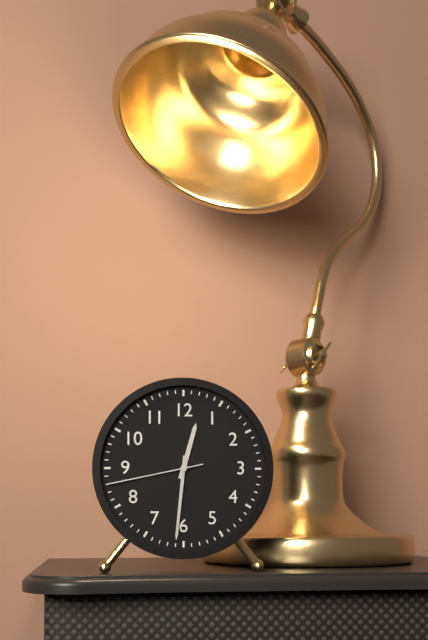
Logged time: {"hour": 12, "minute": 31, "second": 43}
